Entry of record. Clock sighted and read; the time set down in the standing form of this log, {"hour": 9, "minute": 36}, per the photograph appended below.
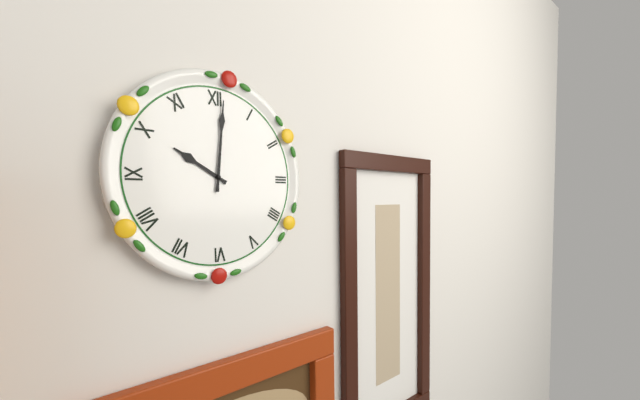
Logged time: {"hour": 10, "minute": 1}
